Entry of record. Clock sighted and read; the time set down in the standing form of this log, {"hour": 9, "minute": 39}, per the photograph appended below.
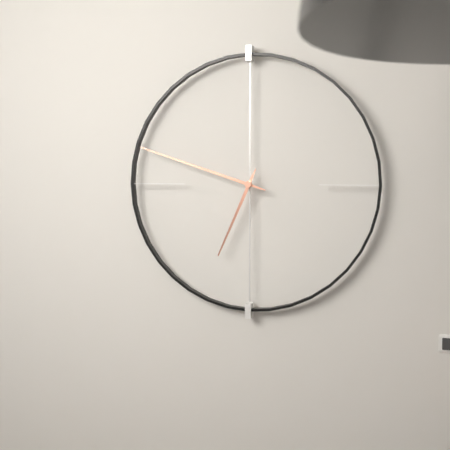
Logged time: {"hour": 6, "minute": 48}
